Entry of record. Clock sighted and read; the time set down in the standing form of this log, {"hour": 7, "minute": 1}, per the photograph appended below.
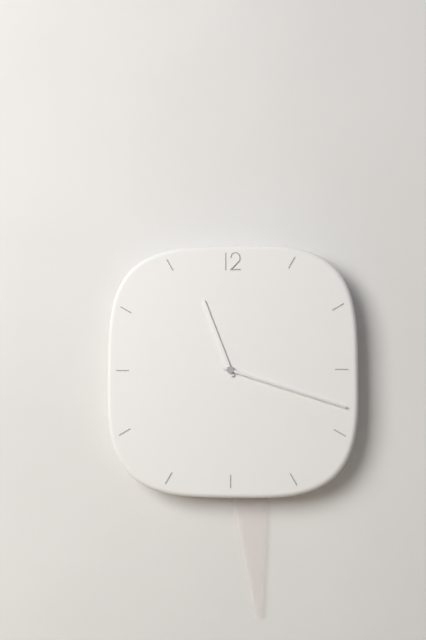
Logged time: {"hour": 11, "minute": 18}
